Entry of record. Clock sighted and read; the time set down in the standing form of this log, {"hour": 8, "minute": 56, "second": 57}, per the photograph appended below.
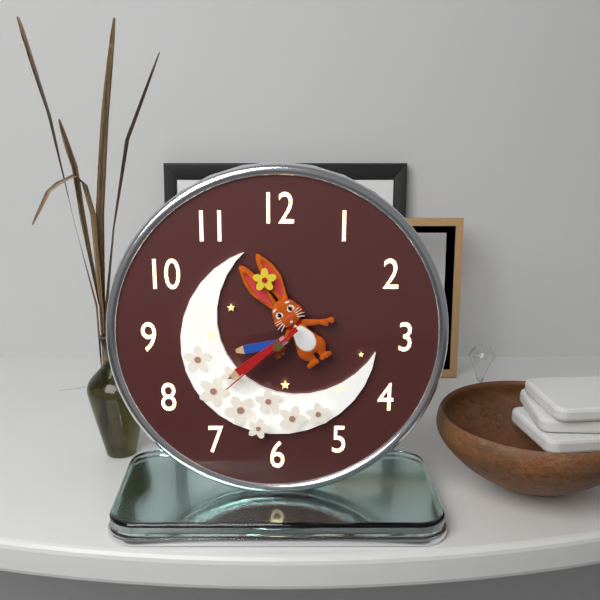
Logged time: {"hour": 8, "minute": 39, "second": 38}
